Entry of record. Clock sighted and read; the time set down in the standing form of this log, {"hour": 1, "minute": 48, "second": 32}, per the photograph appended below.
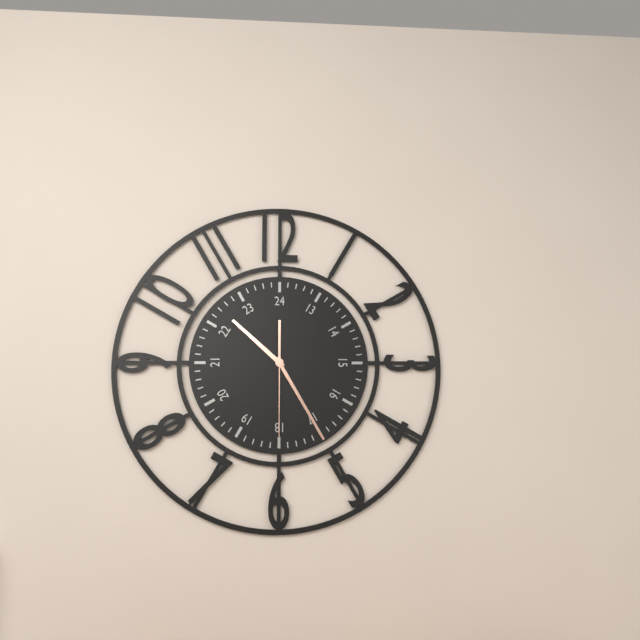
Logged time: {"hour": 10, "minute": 25, "second": 30}
